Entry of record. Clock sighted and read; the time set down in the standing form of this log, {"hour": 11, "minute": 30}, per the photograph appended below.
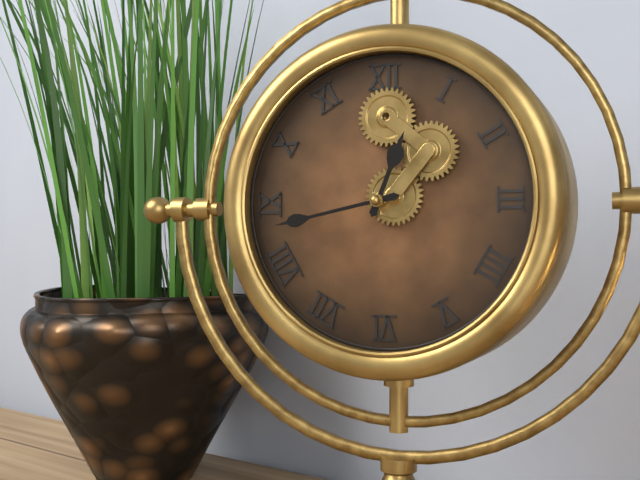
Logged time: {"hour": 12, "minute": 43}
